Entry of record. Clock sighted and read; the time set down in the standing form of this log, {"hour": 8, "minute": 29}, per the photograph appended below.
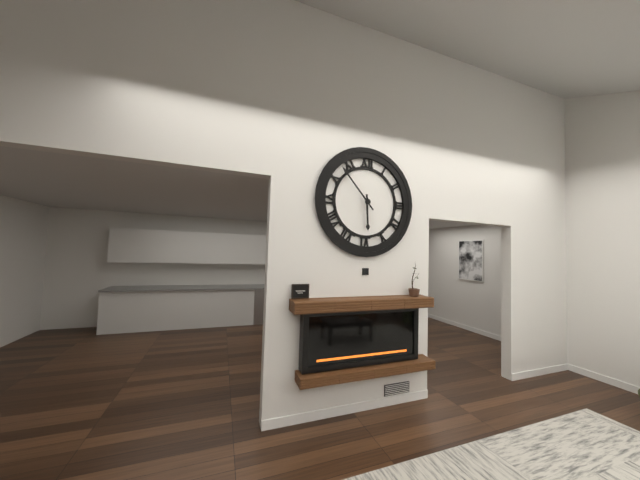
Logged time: {"hour": 5, "minute": 53}
